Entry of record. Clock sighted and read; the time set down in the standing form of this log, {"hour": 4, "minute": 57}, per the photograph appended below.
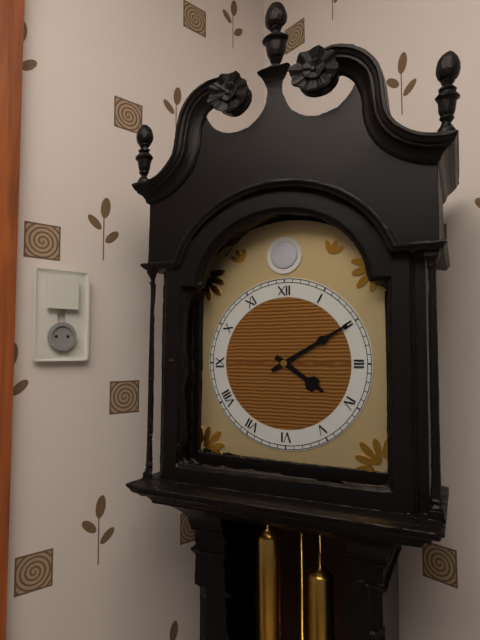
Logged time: {"hour": 4, "minute": 10}
